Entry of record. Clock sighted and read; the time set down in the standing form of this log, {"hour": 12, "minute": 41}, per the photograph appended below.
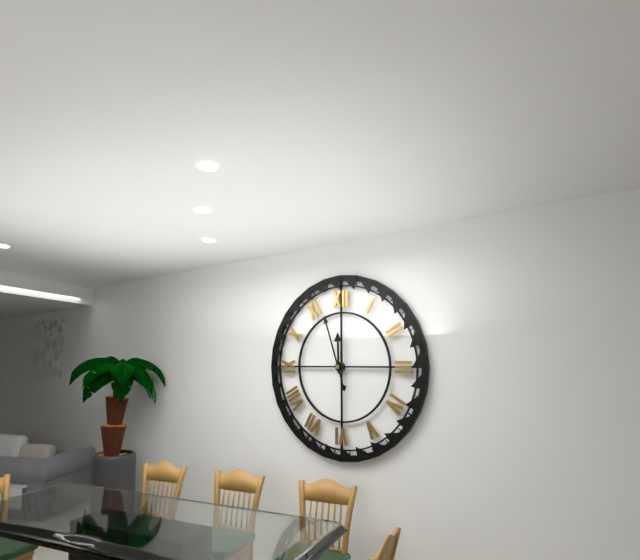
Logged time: {"hour": 11, "minute": 57}
